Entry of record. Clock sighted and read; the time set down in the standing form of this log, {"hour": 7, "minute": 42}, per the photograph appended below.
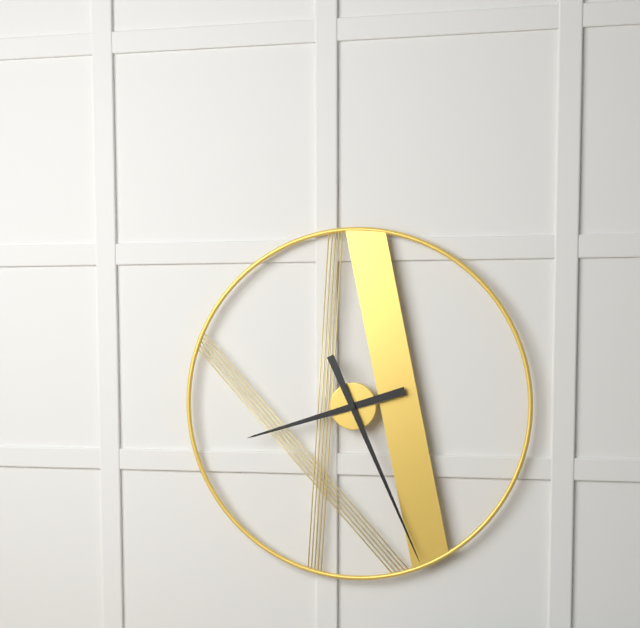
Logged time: {"hour": 8, "minute": 26}
